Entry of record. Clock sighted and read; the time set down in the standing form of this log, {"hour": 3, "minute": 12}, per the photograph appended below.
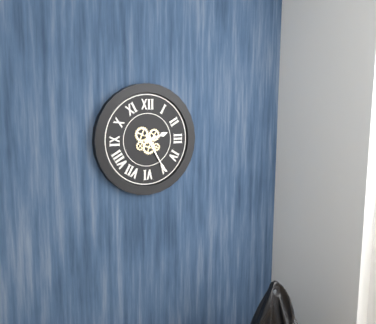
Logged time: {"hour": 2, "minute": 25}
